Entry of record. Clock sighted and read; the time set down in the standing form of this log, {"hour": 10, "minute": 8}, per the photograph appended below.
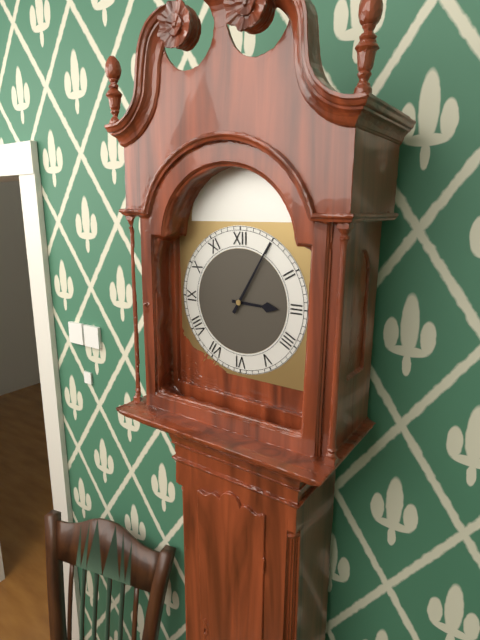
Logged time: {"hour": 3, "minute": 5}
